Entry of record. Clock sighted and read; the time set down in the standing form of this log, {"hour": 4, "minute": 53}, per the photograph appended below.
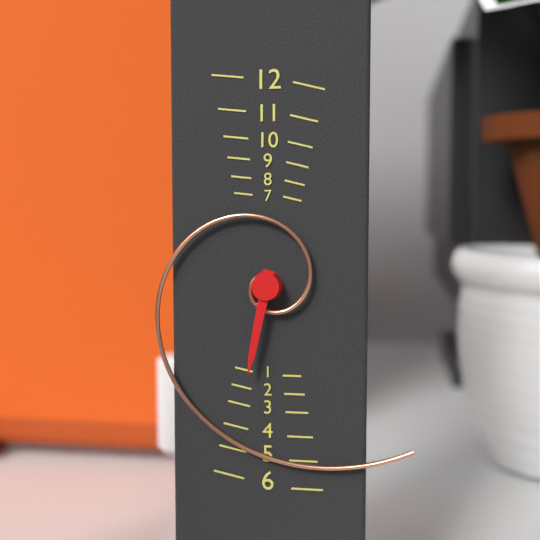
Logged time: {"hour": 6, "minute": 23}
